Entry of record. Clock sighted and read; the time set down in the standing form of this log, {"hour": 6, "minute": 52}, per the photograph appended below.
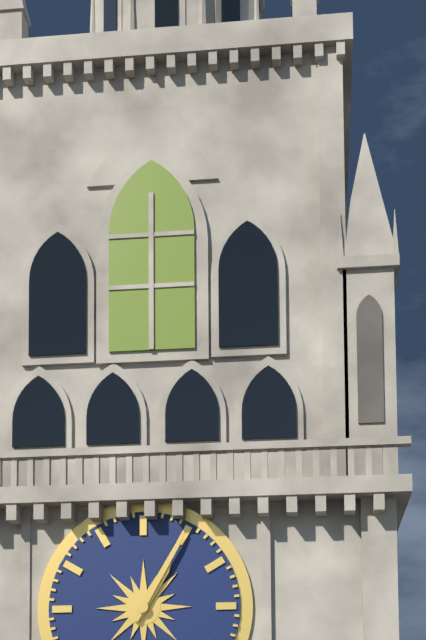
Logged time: {"hour": 1, "minute": 5}
